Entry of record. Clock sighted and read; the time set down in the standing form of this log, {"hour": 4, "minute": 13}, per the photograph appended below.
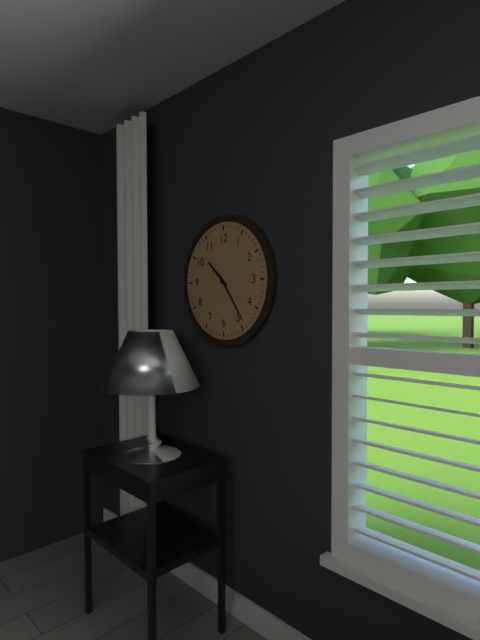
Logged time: {"hour": 10, "minute": 24}
